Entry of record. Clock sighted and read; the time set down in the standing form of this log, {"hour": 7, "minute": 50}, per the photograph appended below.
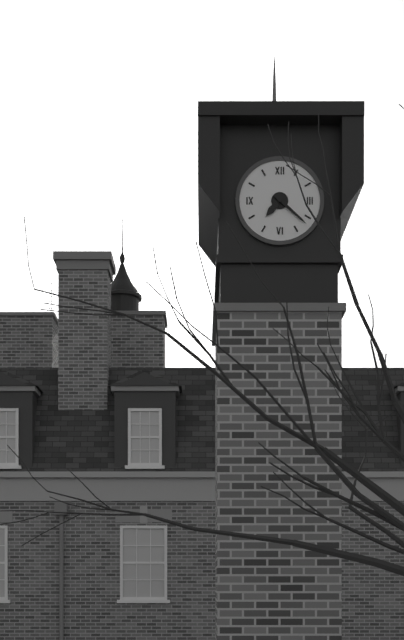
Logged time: {"hour": 7, "minute": 22}
